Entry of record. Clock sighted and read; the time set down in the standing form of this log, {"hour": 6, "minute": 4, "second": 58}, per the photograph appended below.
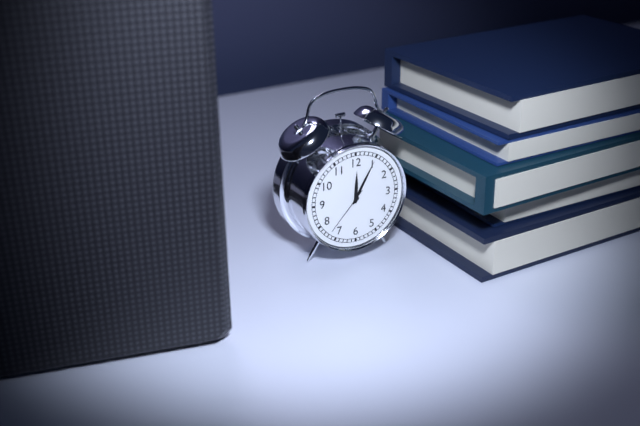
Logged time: {"hour": 12, "minute": 5, "second": 37}
